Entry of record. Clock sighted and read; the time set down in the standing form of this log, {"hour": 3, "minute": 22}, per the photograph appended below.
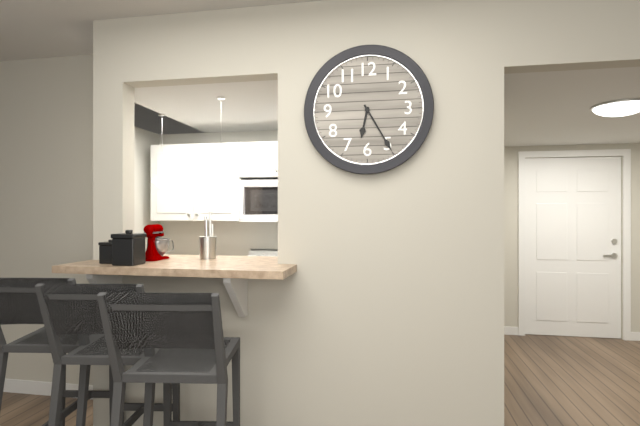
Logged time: {"hour": 6, "minute": 25}
